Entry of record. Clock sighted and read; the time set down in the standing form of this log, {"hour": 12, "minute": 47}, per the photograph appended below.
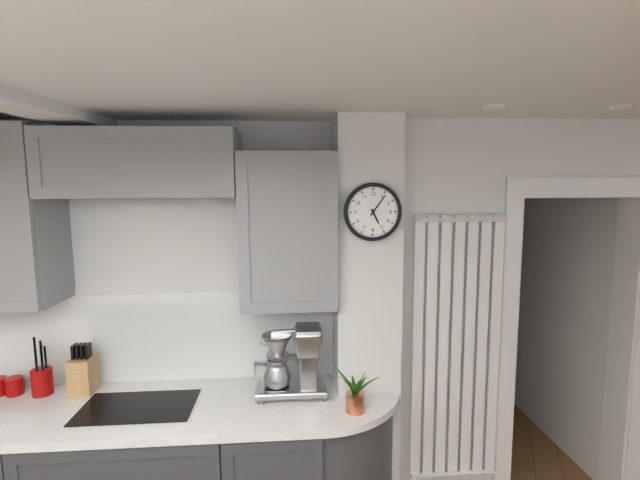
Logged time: {"hour": 5, "minute": 6}
